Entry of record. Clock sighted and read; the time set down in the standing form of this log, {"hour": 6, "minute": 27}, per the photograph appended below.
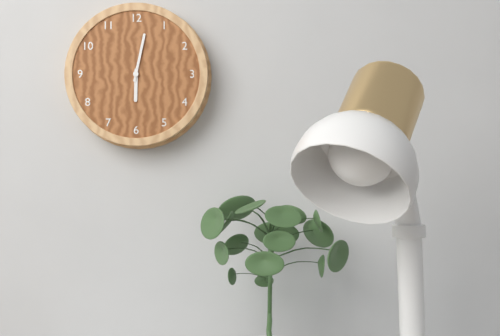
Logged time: {"hour": 6, "minute": 2}
